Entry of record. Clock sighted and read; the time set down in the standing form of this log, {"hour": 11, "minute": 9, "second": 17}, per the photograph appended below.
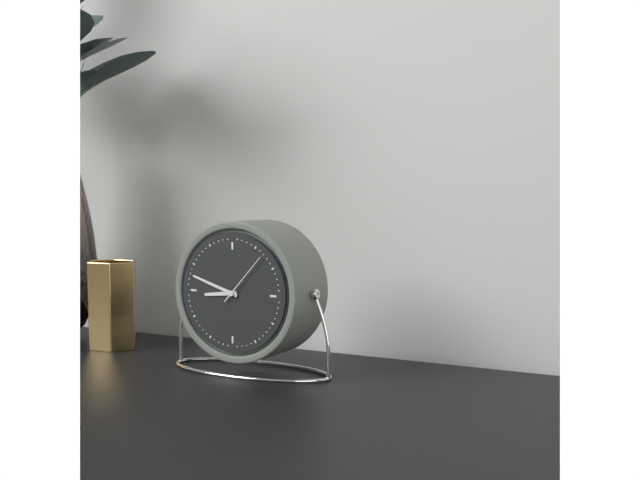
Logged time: {"hour": 8, "minute": 48, "second": 7}
